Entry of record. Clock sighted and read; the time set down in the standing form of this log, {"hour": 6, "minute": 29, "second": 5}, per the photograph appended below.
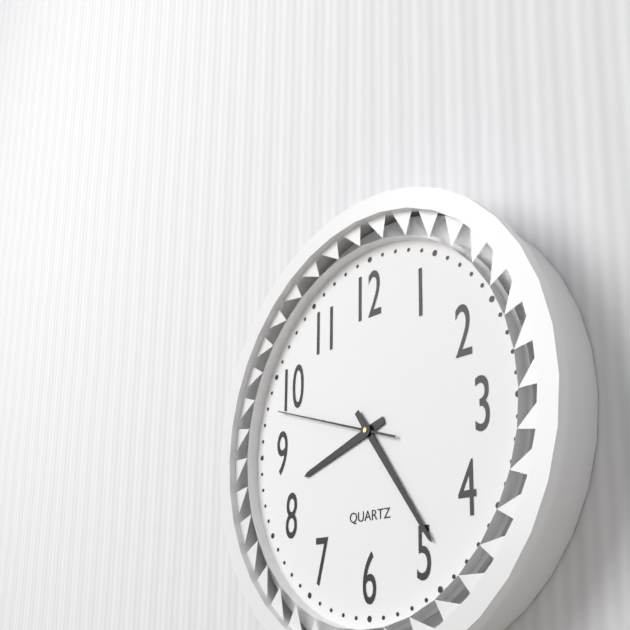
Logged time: {"hour": 8, "minute": 24, "second": 48}
